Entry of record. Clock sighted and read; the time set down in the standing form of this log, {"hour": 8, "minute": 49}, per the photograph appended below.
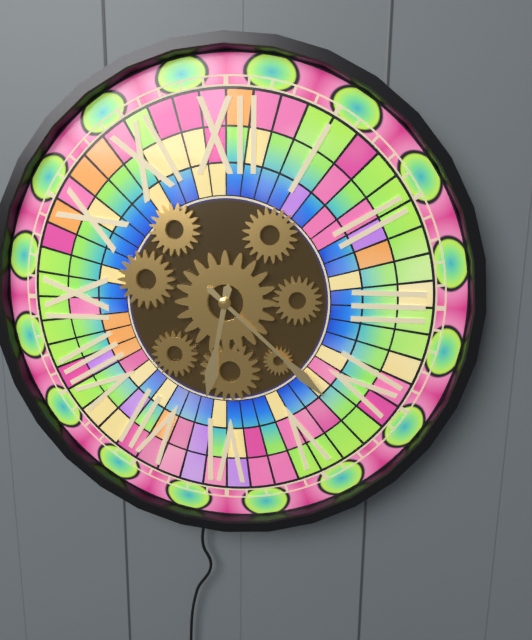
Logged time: {"hour": 6, "minute": 22}
